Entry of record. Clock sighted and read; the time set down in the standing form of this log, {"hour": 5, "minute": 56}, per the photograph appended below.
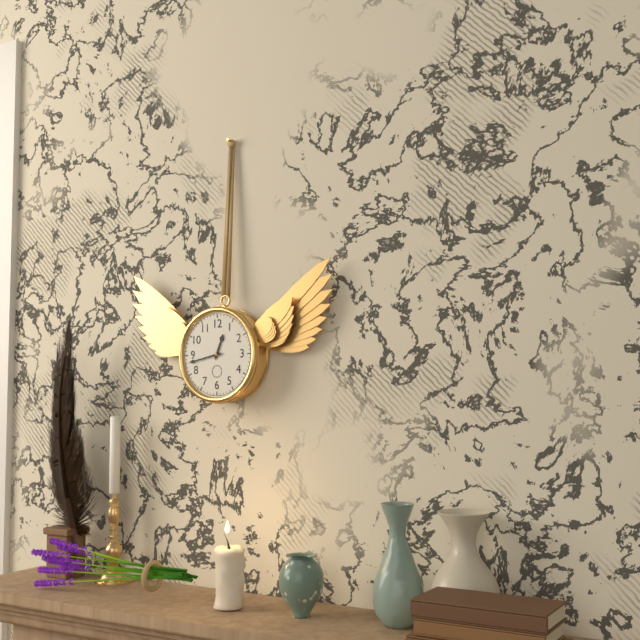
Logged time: {"hour": 12, "minute": 43}
